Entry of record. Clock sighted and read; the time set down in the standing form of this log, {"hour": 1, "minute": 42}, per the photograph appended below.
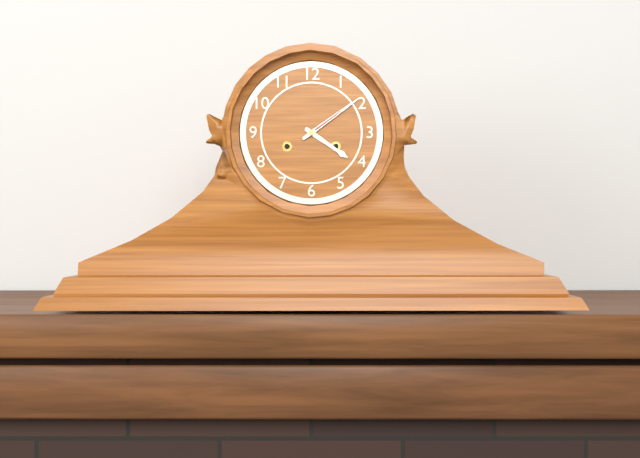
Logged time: {"hour": 4, "minute": 9}
